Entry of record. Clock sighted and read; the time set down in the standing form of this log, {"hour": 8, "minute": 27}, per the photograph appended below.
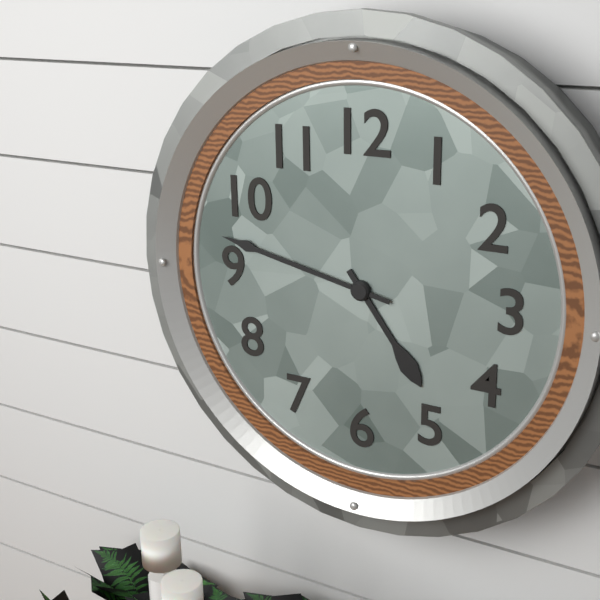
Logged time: {"hour": 4, "minute": 47}
